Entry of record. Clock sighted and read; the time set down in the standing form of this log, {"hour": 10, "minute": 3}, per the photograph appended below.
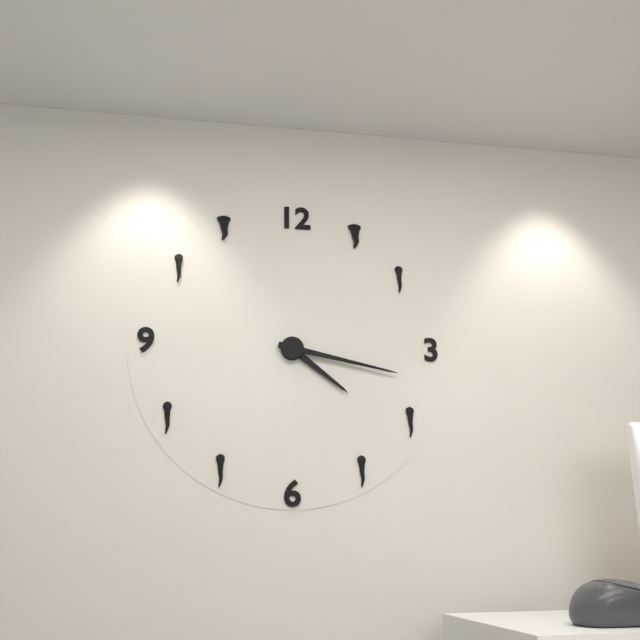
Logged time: {"hour": 4, "minute": 17}
